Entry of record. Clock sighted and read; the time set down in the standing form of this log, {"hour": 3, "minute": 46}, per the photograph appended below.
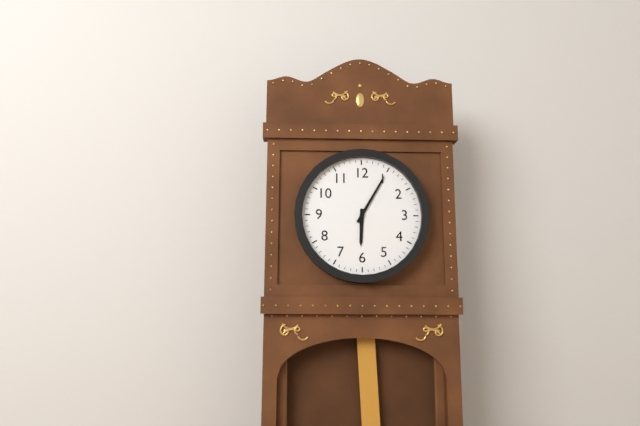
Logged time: {"hour": 6, "minute": 5}
